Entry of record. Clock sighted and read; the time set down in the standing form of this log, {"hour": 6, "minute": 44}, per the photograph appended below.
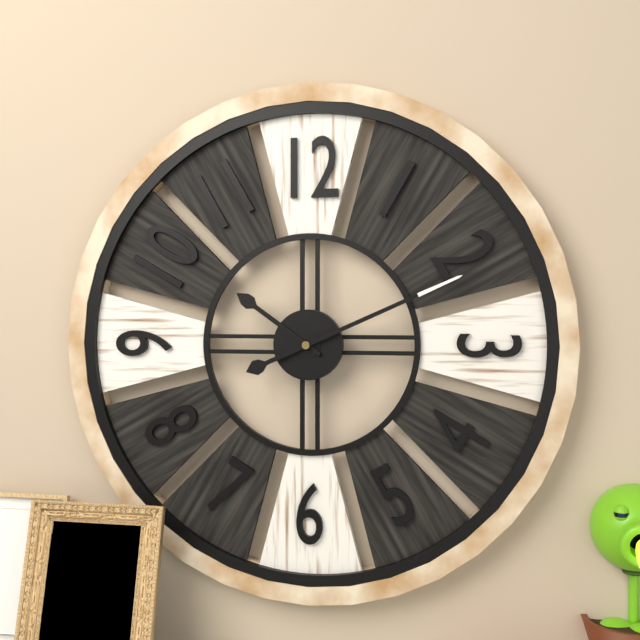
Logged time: {"hour": 10, "minute": 11}
